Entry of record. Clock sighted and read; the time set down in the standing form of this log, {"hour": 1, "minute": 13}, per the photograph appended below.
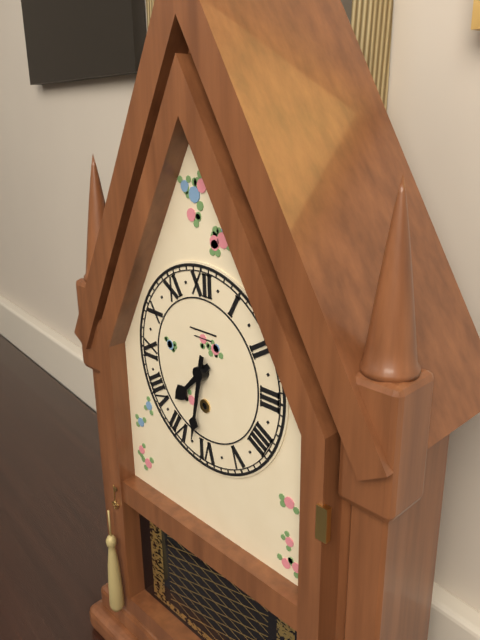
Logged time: {"hour": 7, "minute": 32}
